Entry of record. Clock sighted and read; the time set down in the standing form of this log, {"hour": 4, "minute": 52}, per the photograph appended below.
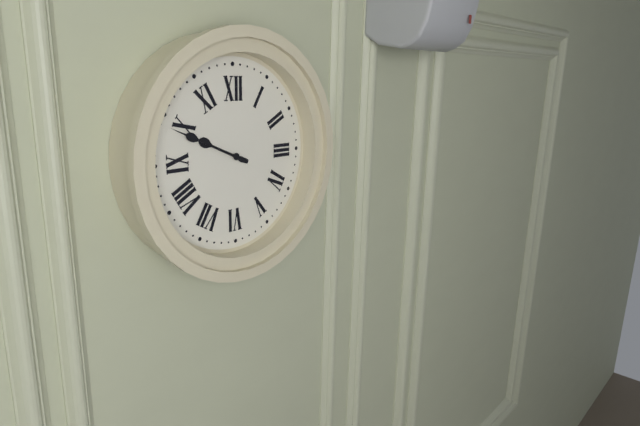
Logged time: {"hour": 9, "minute": 49}
